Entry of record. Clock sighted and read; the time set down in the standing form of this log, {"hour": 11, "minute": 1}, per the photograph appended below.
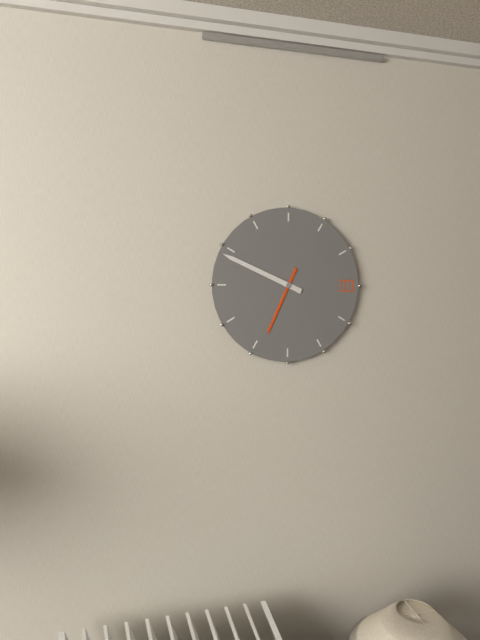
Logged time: {"hour": 6, "minute": 49}
